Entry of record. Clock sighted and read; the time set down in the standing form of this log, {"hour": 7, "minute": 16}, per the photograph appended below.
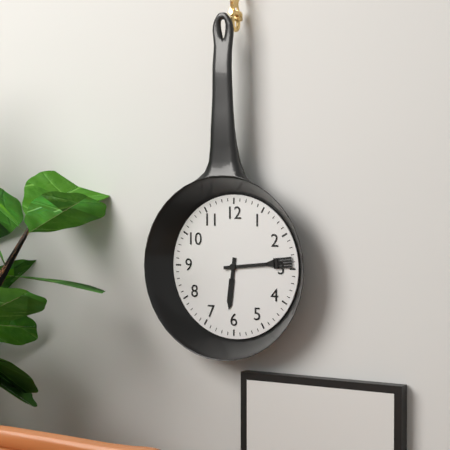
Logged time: {"hour": 6, "minute": 14}
